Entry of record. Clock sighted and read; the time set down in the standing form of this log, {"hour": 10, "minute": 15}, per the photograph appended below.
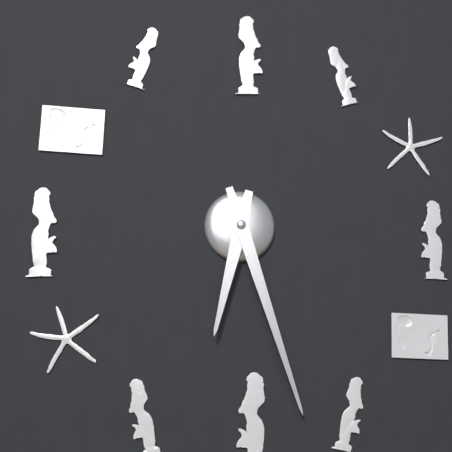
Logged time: {"hour": 6, "minute": 27}
